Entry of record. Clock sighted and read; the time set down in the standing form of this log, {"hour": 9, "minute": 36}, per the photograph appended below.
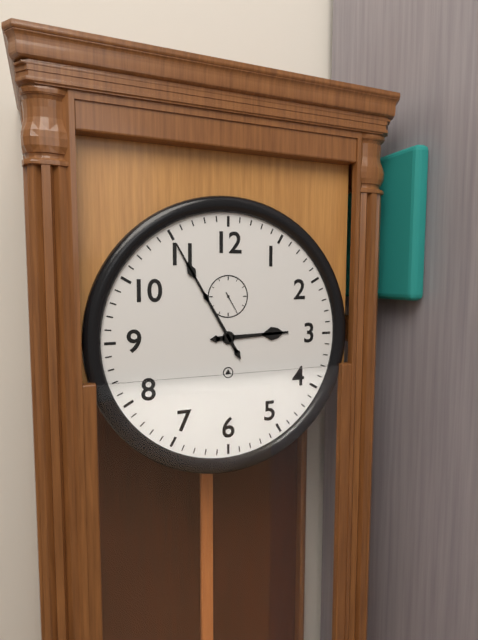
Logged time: {"hour": 2, "minute": 55}
